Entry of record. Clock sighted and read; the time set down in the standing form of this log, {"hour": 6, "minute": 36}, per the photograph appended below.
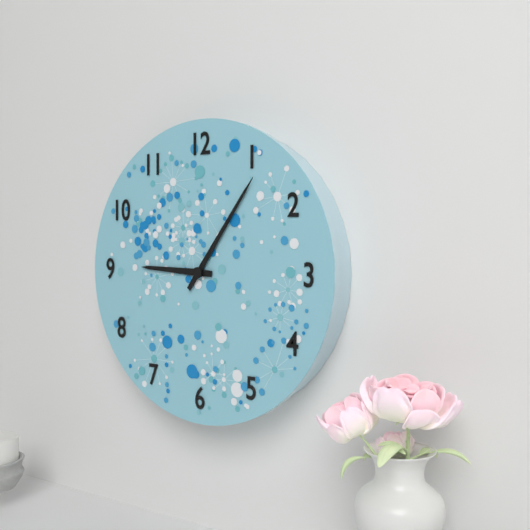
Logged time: {"hour": 9, "minute": 6}
